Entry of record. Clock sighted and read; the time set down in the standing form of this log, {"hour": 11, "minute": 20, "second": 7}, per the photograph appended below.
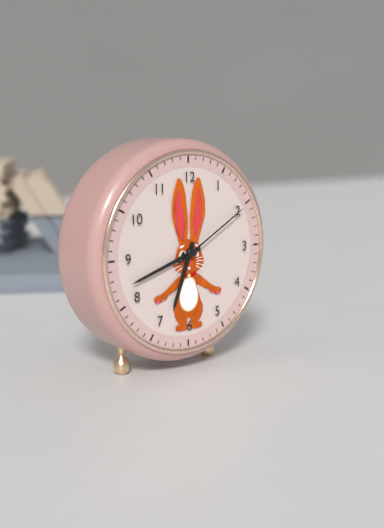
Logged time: {"hour": 6, "minute": 42, "second": 10}
